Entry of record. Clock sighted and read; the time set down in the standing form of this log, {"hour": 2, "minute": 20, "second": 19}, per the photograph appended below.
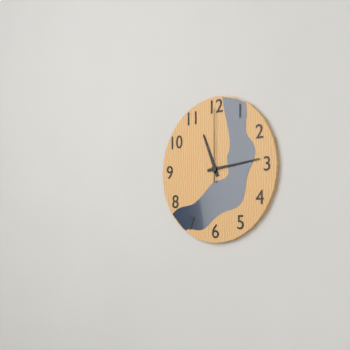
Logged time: {"hour": 11, "minute": 14, "second": 0}
